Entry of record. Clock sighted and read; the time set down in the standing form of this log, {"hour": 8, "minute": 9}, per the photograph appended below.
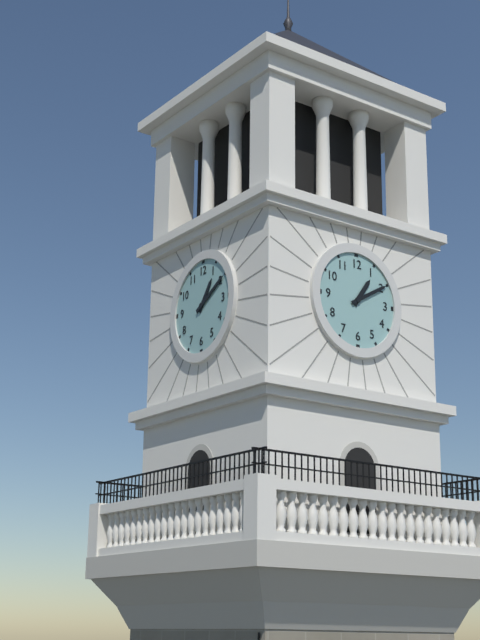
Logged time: {"hour": 1, "minute": 10}
